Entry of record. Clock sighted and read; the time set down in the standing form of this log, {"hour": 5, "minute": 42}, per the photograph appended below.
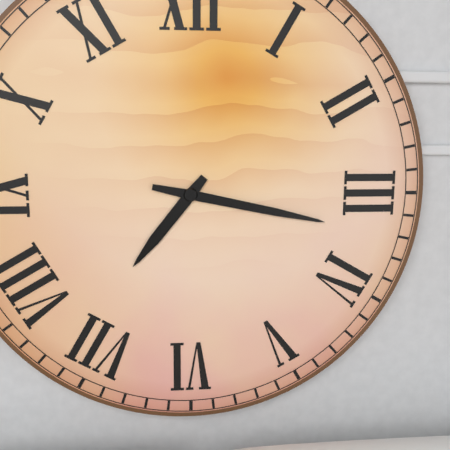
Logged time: {"hour": 7, "minute": 17}
